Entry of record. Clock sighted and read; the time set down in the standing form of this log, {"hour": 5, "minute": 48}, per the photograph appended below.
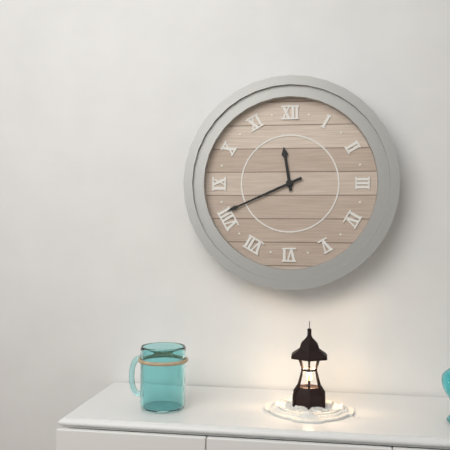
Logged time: {"hour": 11, "minute": 41}
